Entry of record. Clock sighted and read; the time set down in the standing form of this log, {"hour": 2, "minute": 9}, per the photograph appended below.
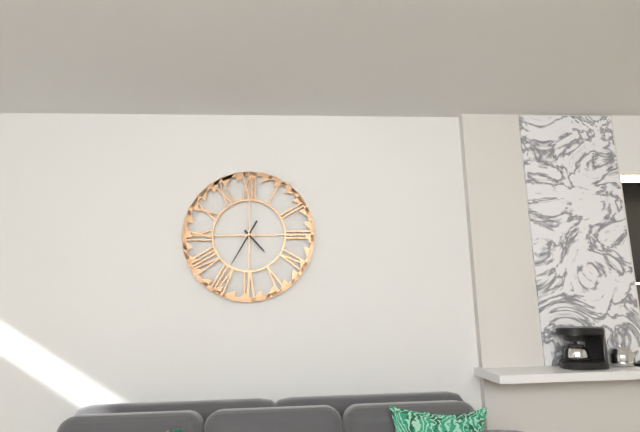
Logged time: {"hour": 4, "minute": 35}
